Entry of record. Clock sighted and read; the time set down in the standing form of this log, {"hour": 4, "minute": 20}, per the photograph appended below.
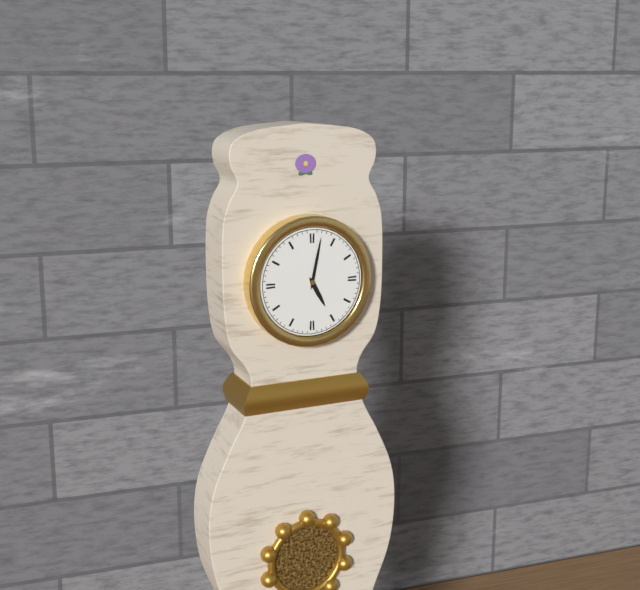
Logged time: {"hour": 5, "minute": 2}
